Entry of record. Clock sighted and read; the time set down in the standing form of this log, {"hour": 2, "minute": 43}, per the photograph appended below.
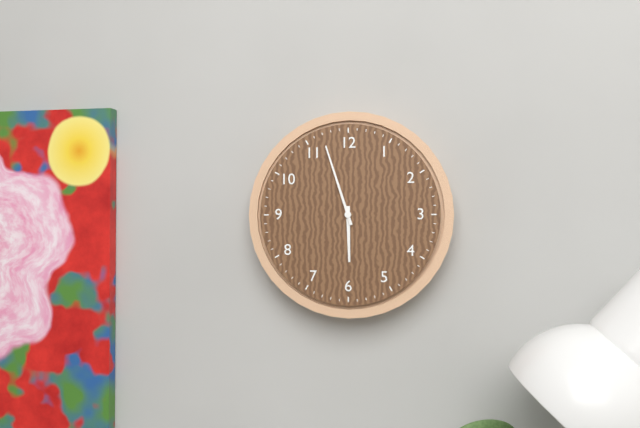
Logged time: {"hour": 5, "minute": 57}
